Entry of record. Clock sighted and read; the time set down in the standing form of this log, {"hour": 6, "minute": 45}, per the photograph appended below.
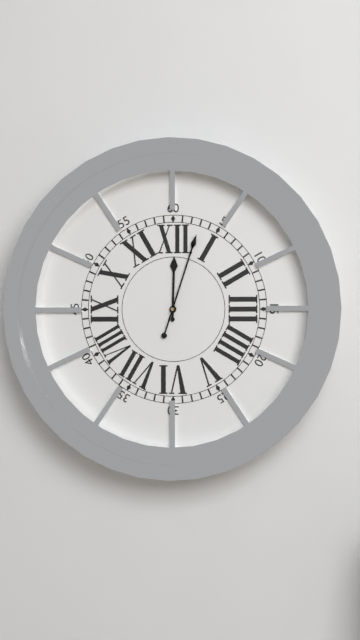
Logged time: {"hour": 12, "minute": 3}
